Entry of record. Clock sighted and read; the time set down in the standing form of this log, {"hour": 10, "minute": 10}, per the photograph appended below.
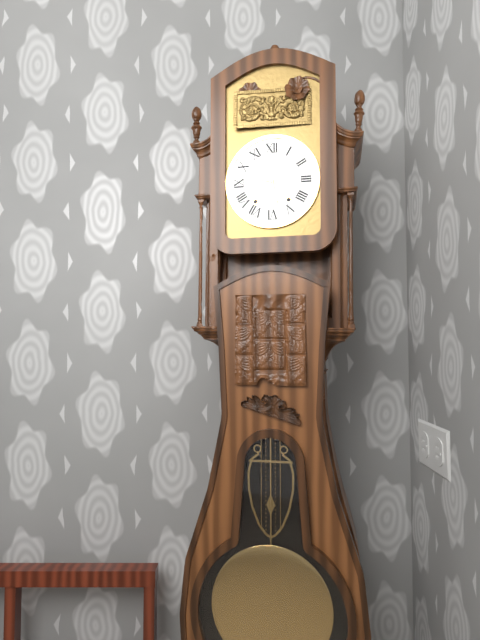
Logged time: {"hour": 9, "minute": 28}
